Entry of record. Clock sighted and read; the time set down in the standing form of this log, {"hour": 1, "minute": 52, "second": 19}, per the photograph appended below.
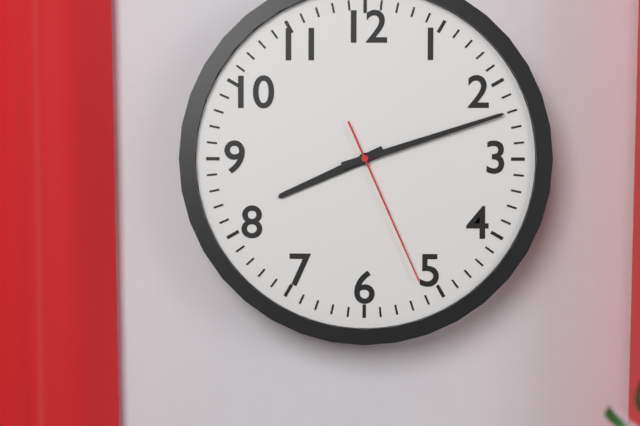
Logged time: {"hour": 8, "minute": 12, "second": 26}
